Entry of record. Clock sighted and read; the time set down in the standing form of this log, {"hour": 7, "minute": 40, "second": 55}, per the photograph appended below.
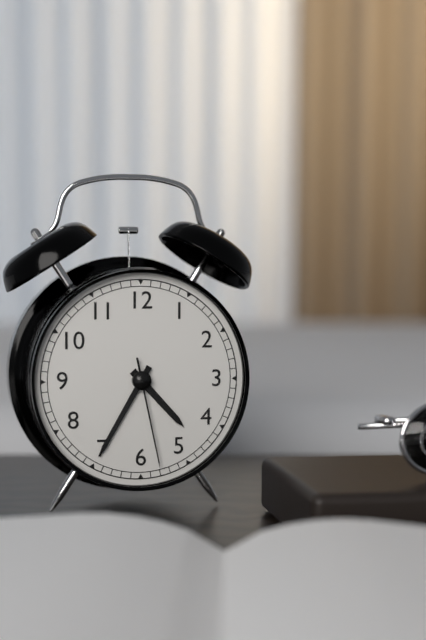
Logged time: {"hour": 4, "minute": 35, "second": 28}
